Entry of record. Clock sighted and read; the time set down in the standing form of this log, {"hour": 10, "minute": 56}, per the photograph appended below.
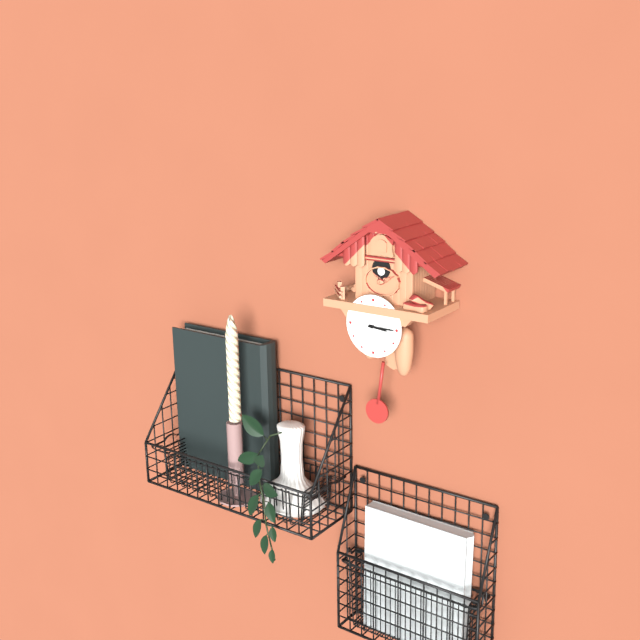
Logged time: {"hour": 3, "minute": 15}
